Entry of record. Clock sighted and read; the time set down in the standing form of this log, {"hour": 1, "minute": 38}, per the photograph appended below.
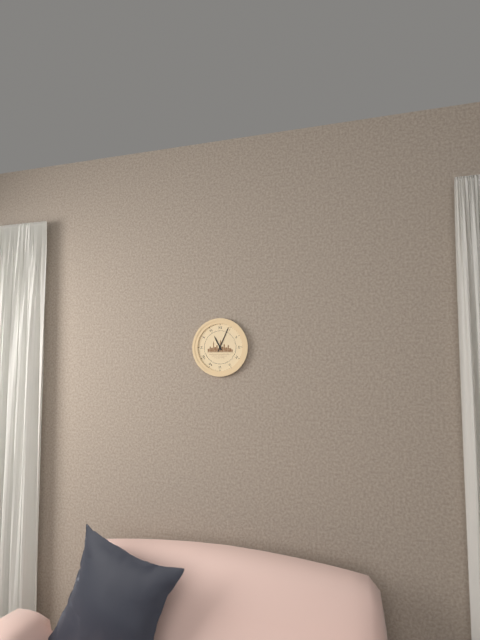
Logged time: {"hour": 11, "minute": 4}
